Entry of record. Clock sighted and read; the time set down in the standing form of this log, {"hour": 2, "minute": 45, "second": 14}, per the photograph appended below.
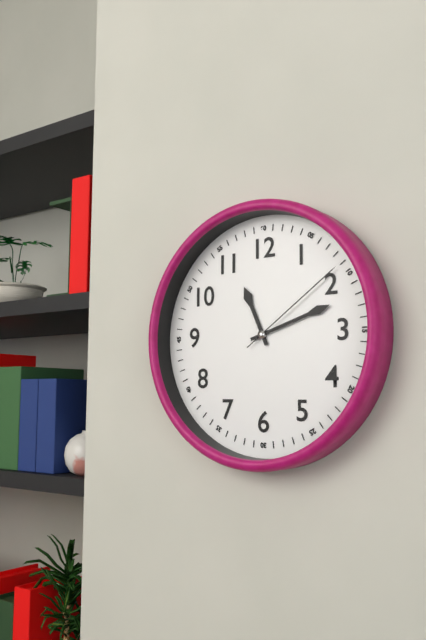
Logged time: {"hour": 11, "minute": 12, "second": 9}
